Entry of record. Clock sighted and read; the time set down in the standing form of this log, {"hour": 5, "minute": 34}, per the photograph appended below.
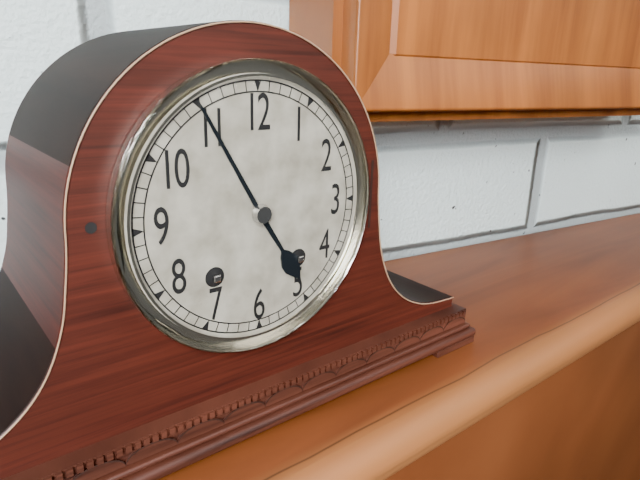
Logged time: {"hour": 4, "minute": 55}
